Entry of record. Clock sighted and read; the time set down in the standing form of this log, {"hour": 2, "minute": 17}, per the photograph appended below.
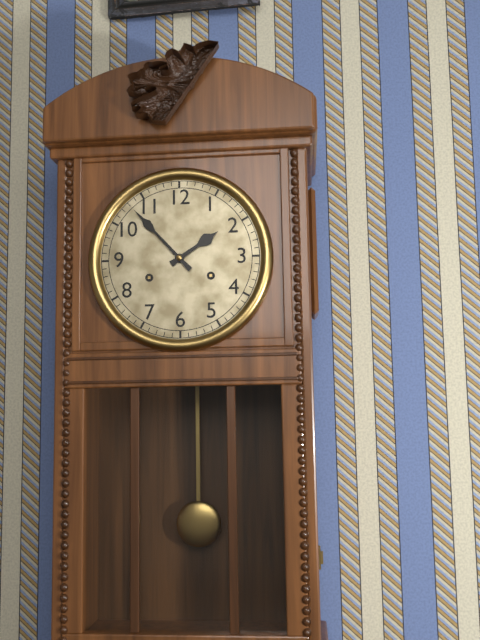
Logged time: {"hour": 1, "minute": 53}
